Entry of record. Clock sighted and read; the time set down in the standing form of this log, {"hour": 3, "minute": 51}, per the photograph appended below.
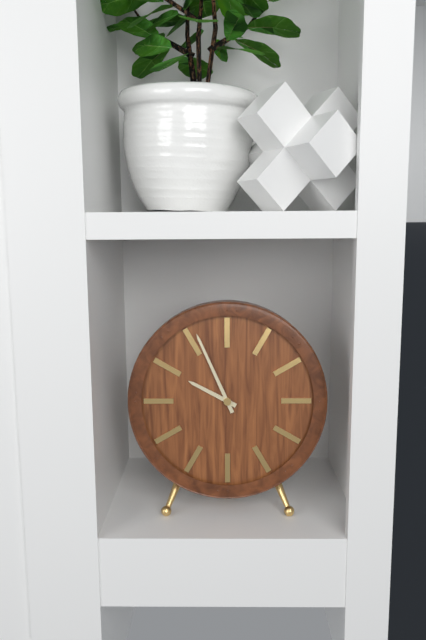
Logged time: {"hour": 9, "minute": 56}
